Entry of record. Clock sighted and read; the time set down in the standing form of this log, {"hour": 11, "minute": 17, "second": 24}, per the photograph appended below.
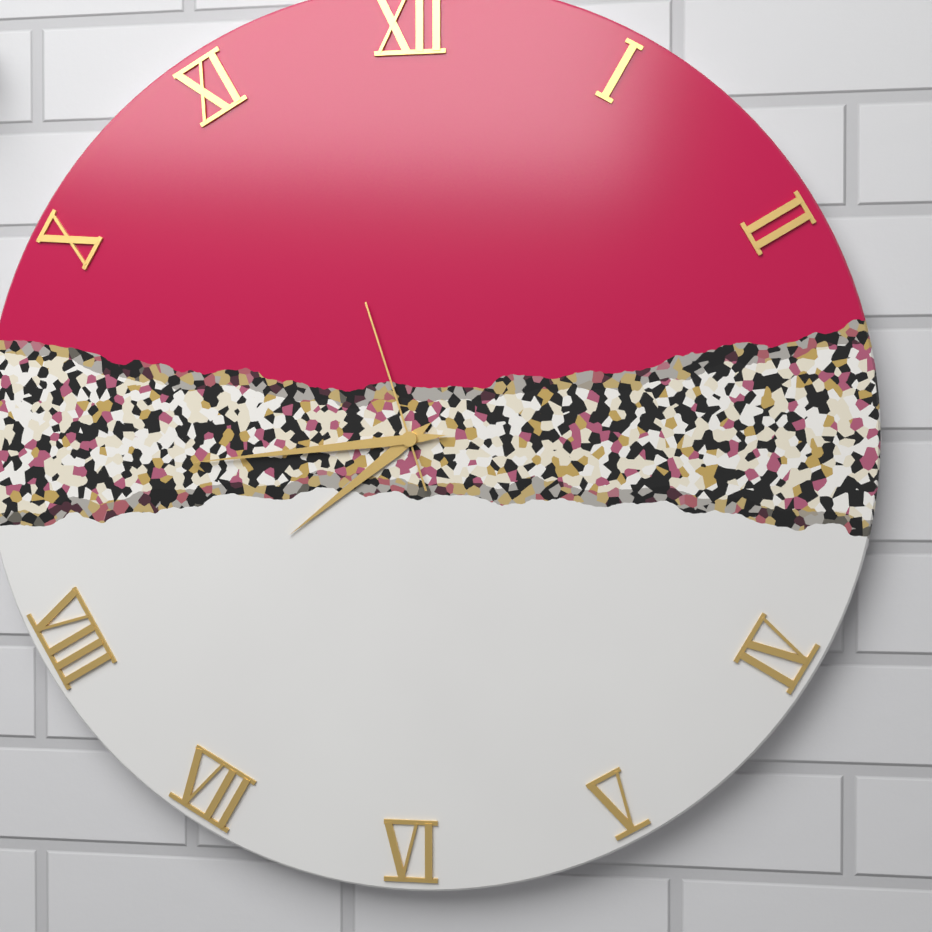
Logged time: {"hour": 7, "minute": 44, "second": 57}
